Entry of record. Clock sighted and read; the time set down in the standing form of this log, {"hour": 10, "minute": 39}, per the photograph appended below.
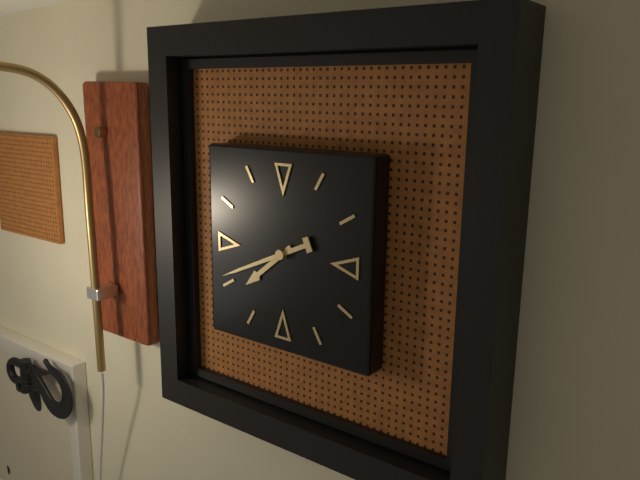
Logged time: {"hour": 7, "minute": 41}
